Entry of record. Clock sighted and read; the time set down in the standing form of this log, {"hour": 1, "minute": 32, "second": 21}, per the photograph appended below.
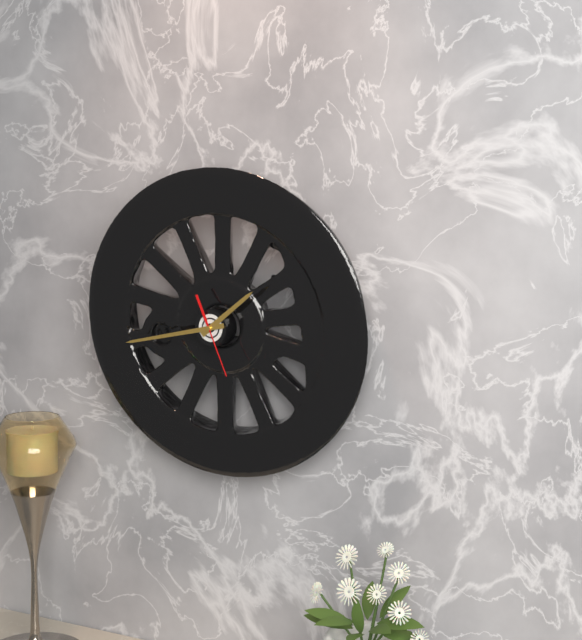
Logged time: {"hour": 1, "minute": 43, "second": 26}
